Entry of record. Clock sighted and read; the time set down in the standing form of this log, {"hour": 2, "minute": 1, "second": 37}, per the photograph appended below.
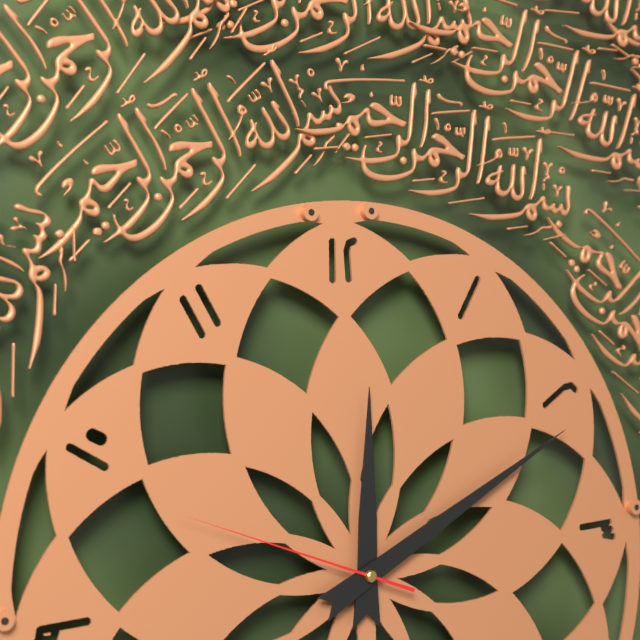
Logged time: {"hour": 12, "minute": 11, "second": 49}
